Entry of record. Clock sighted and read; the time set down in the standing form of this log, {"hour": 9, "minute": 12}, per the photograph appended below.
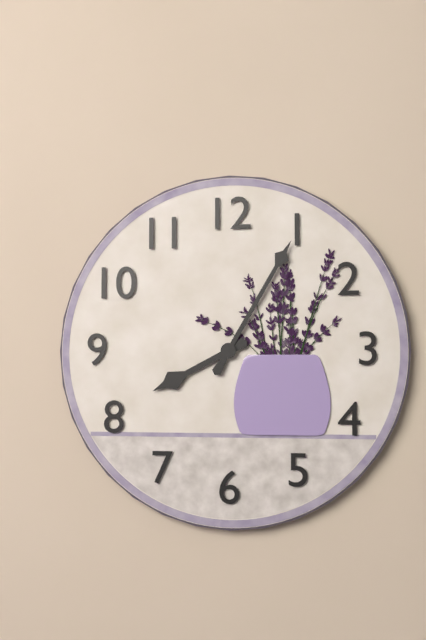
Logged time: {"hour": 8, "minute": 5}
